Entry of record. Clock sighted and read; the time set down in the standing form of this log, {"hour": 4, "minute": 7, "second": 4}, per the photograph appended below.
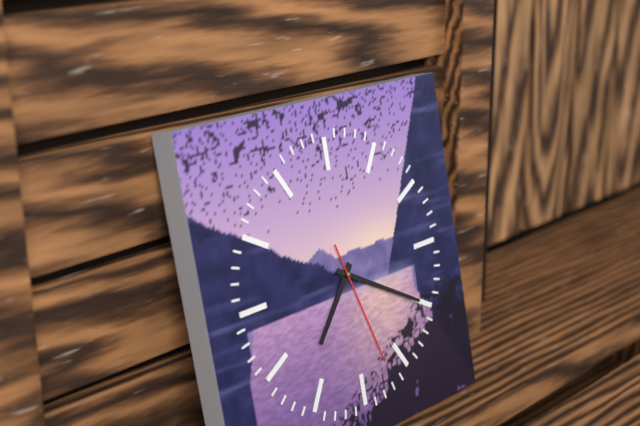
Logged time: {"hour": 7, "minute": 20, "second": 27}
